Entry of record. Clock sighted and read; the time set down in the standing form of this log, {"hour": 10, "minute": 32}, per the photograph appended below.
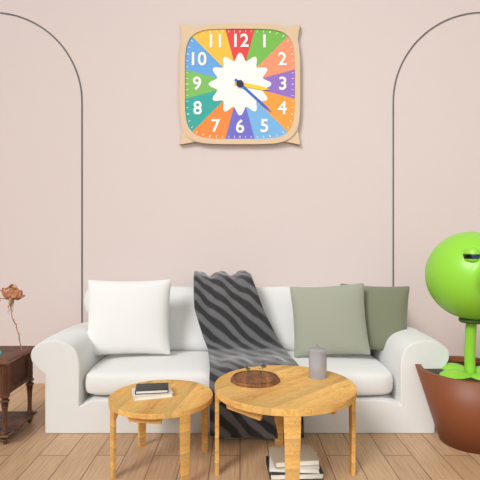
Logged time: {"hour": 3, "minute": 22}
